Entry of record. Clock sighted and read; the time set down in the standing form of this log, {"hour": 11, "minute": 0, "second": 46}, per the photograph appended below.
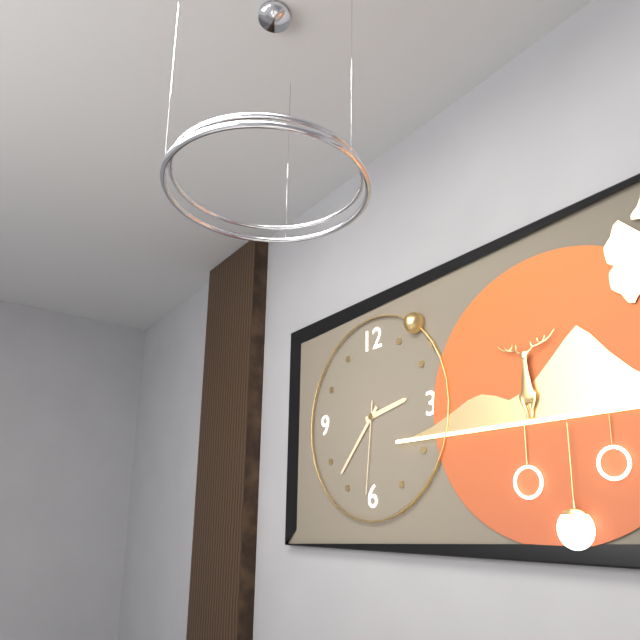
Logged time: {"hour": 2, "minute": 37, "second": 31}
